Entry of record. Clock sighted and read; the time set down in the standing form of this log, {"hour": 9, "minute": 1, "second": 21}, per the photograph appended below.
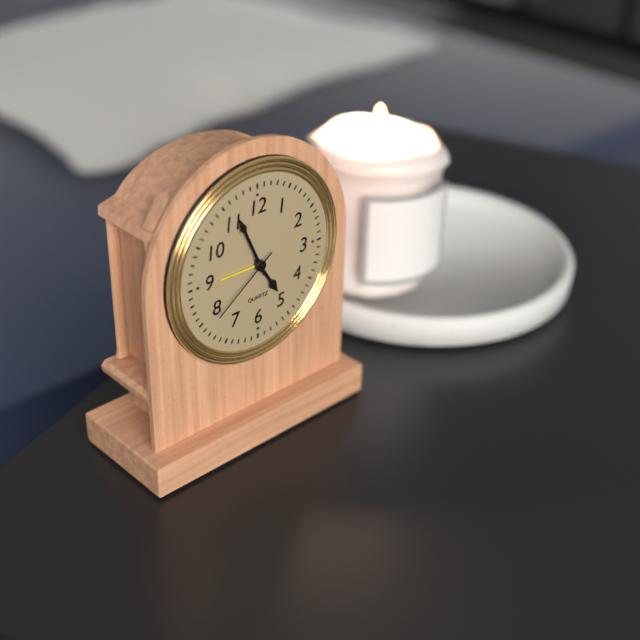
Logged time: {"hour": 4, "minute": 56, "second": 39}
